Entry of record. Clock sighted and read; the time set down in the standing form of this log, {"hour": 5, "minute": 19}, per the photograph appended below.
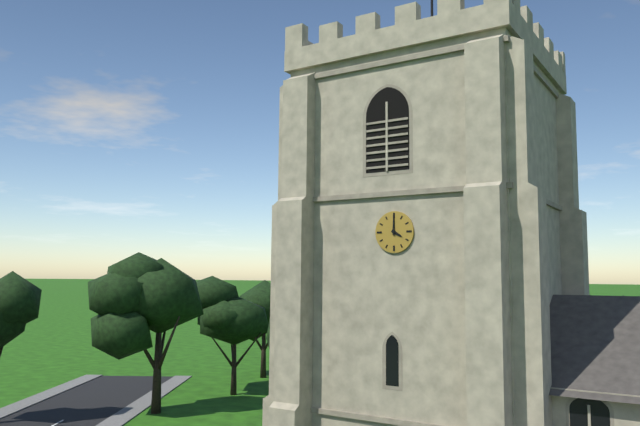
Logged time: {"hour": 4, "minute": 0}
